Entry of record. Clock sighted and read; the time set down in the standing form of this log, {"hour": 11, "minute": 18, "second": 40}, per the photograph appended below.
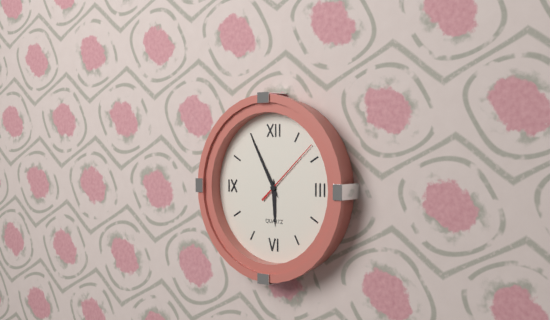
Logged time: {"hour": 5, "minute": 55, "second": 8}
